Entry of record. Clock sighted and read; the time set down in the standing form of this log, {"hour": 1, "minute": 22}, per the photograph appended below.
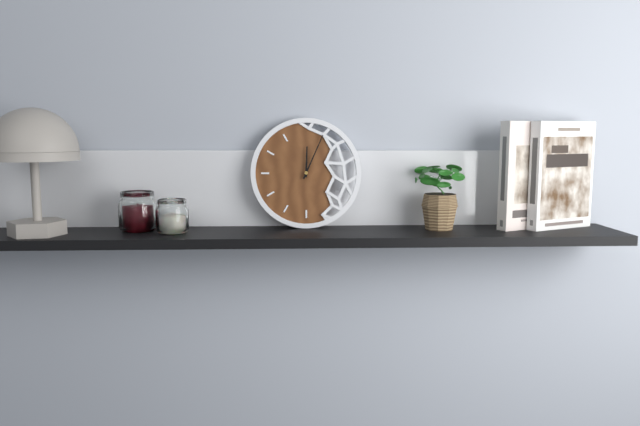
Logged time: {"hour": 12, "minute": 4}
